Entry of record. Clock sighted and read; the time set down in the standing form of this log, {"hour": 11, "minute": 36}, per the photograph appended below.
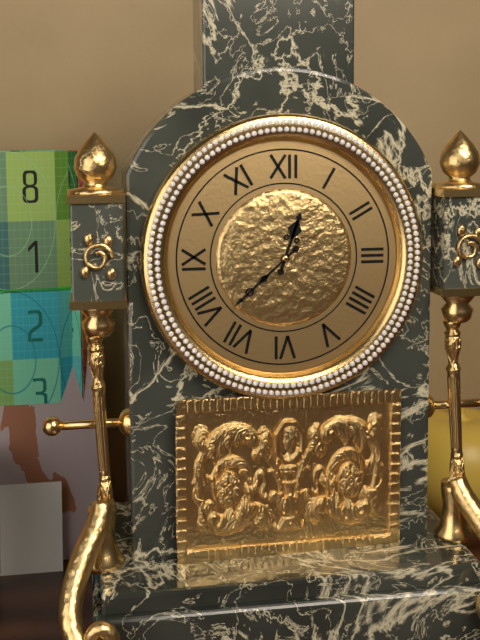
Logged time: {"hour": 12, "minute": 38}
